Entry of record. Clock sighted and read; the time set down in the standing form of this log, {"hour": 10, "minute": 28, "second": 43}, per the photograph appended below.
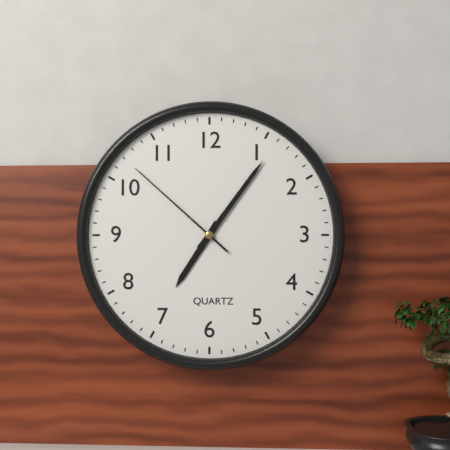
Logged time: {"hour": 7, "minute": 6, "second": 52}
